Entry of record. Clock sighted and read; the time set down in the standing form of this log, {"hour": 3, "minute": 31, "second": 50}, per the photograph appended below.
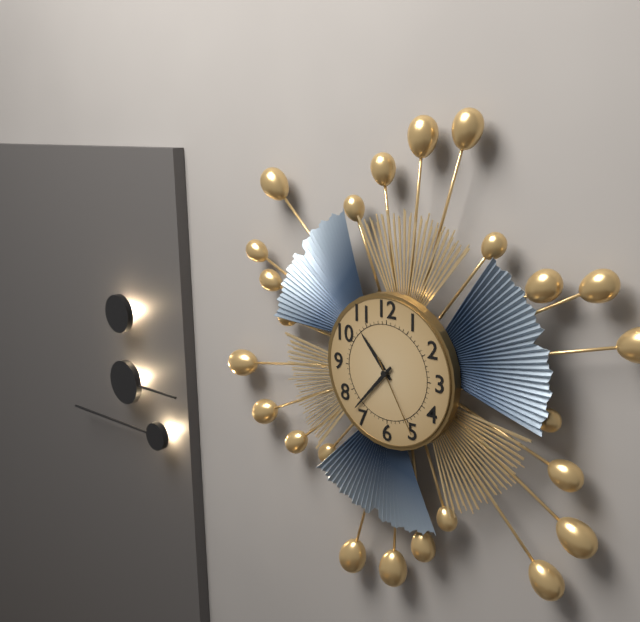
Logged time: {"hour": 10, "minute": 37, "second": 25}
